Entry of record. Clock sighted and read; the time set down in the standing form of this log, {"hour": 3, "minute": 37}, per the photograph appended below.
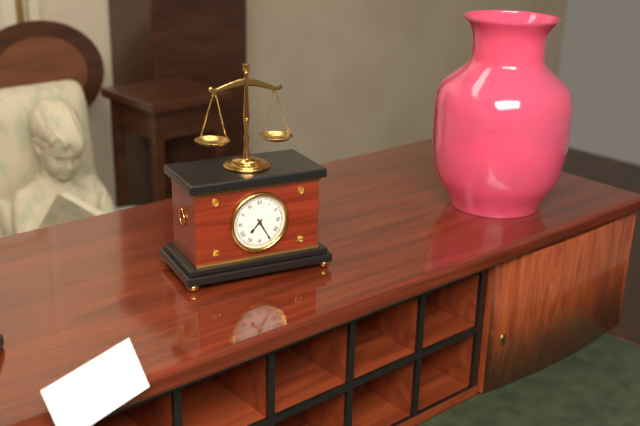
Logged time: {"hour": 7, "minute": 25}
